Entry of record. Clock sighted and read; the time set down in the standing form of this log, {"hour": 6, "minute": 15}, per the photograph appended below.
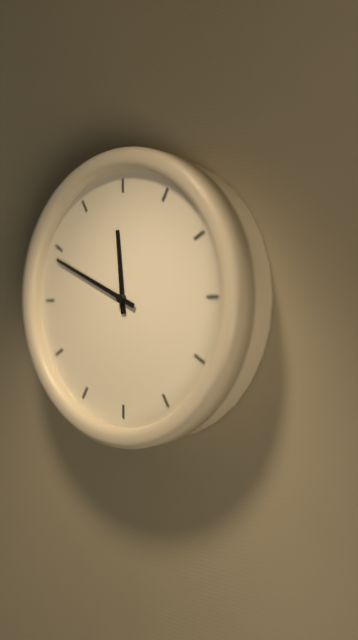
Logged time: {"hour": 11, "minute": 49}
